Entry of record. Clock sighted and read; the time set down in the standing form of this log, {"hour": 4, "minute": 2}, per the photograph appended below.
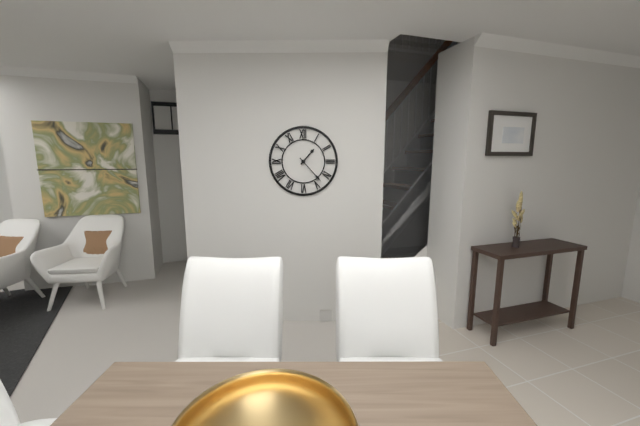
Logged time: {"hour": 1, "minute": 23}
